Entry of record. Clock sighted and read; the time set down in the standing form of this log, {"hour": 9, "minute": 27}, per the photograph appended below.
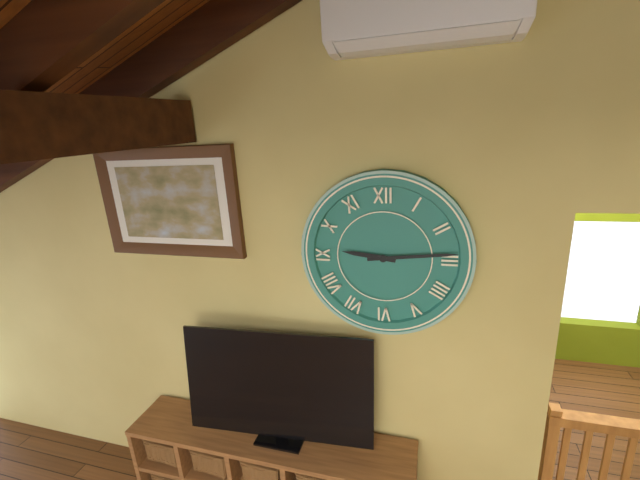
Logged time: {"hour": 9, "minute": 14}
